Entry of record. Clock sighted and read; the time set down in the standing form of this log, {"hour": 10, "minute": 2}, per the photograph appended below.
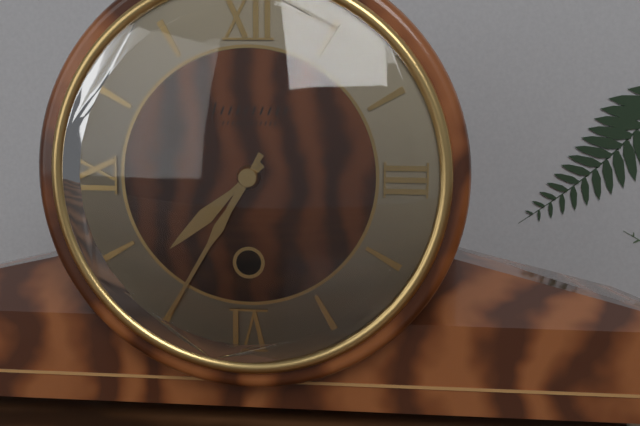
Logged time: {"hour": 7, "minute": 35}
